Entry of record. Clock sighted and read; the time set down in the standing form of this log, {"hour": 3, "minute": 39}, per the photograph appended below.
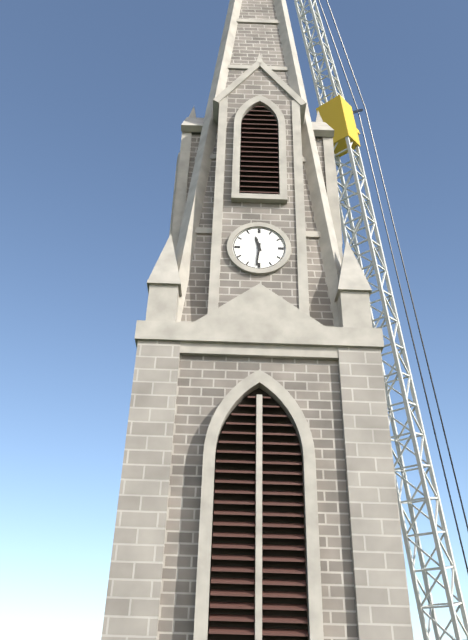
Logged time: {"hour": 11, "minute": 31}
